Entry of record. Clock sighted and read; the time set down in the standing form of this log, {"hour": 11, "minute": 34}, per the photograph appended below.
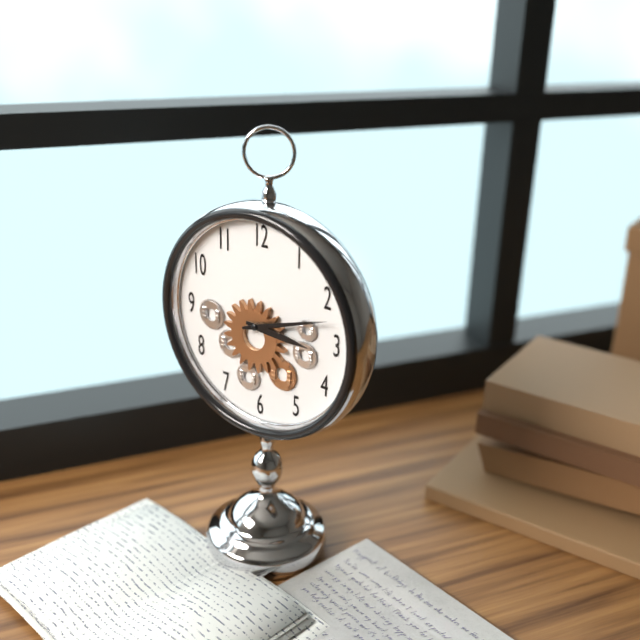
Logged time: {"hour": 3, "minute": 12}
